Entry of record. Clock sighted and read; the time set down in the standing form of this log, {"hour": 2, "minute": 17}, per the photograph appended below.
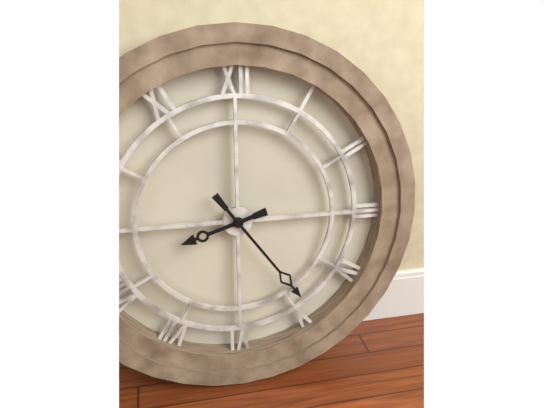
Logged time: {"hour": 8, "minute": 24}
